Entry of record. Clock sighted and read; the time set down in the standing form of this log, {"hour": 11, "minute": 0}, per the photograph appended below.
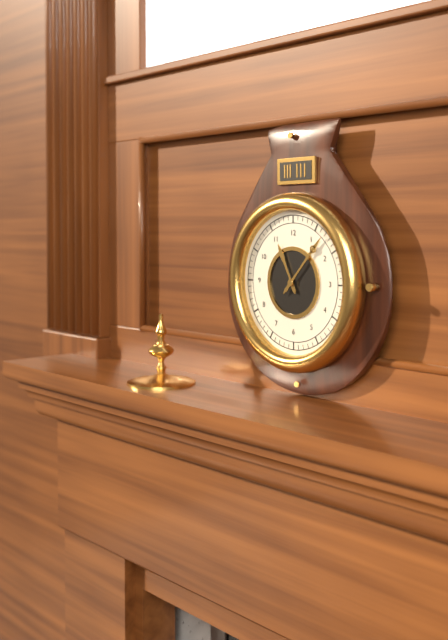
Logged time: {"hour": 11, "minute": 7}
